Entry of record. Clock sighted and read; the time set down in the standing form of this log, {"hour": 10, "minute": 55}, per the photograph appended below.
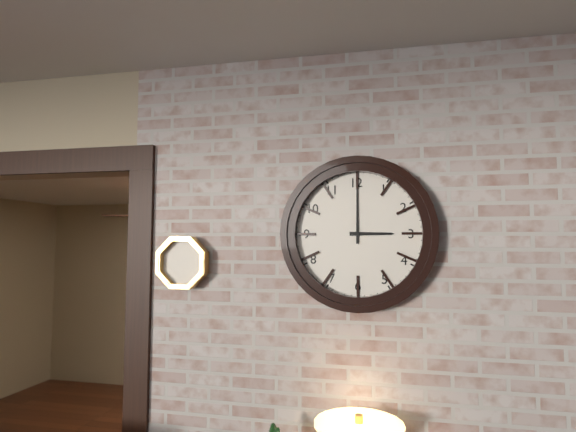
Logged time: {"hour": 3, "minute": 0}
